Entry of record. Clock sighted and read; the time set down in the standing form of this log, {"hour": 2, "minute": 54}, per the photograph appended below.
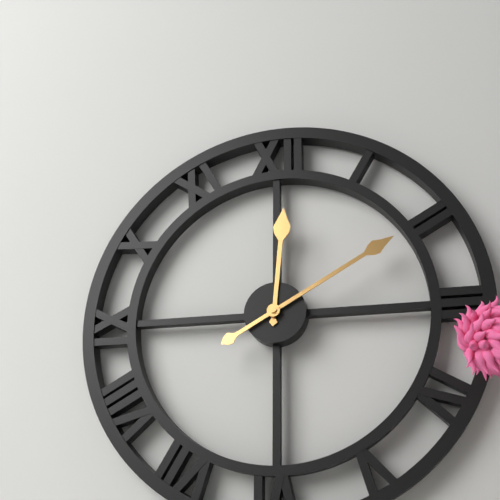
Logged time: {"hour": 12, "minute": 10}
